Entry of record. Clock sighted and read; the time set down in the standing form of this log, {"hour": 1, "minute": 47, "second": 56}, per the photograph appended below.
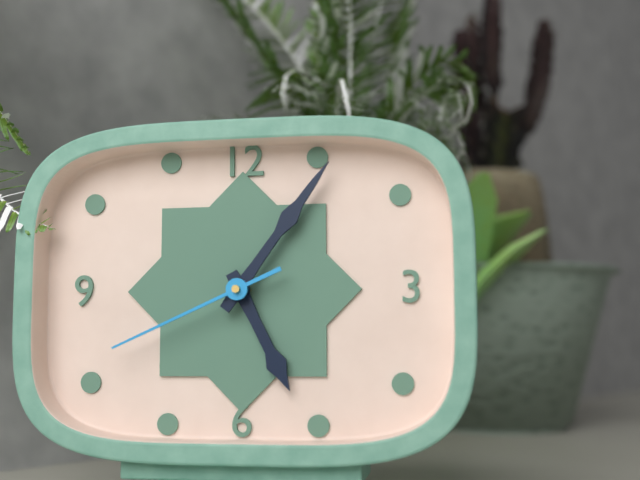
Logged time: {"hour": 5, "minute": 6, "second": 41}
